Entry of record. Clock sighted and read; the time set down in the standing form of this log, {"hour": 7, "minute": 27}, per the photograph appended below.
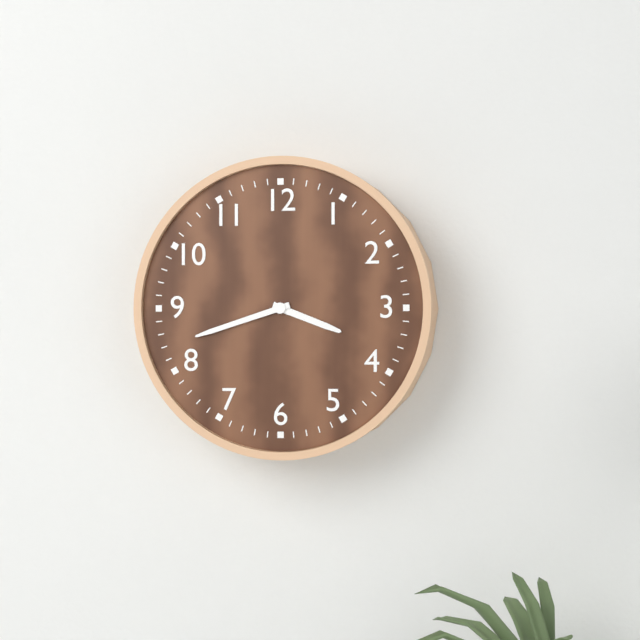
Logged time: {"hour": 3, "minute": 42}
